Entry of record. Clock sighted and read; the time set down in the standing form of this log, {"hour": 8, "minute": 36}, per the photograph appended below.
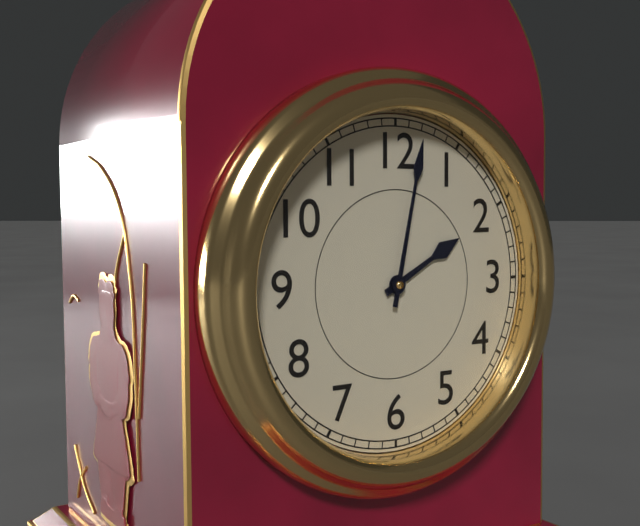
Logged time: {"hour": 2, "minute": 2}
